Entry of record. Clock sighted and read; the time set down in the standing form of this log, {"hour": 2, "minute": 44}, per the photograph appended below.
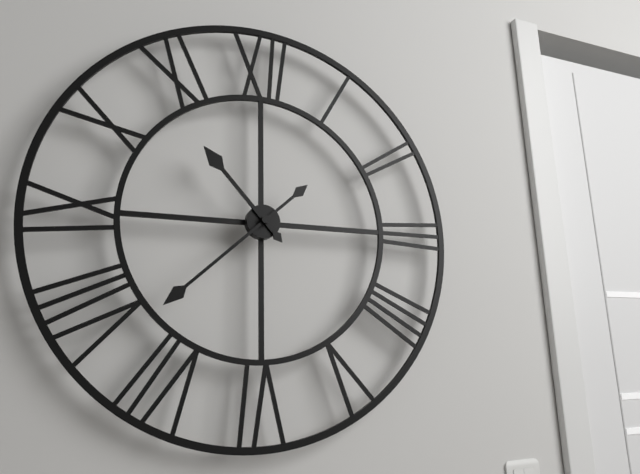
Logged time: {"hour": 10, "minute": 38}
